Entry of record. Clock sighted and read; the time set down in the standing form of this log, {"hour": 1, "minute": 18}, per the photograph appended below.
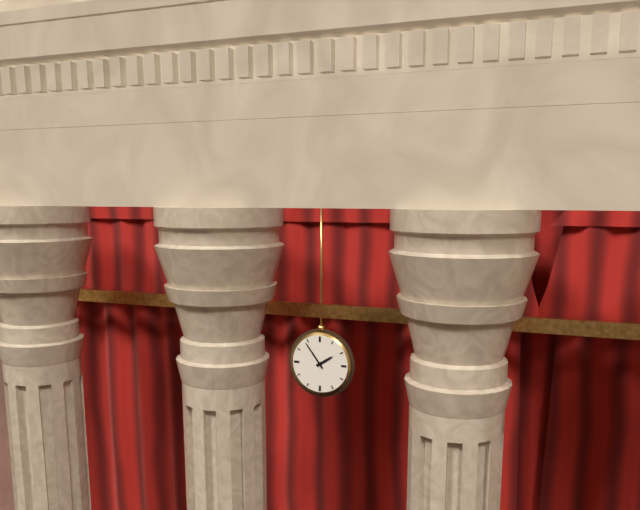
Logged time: {"hour": 1, "minute": 54}
